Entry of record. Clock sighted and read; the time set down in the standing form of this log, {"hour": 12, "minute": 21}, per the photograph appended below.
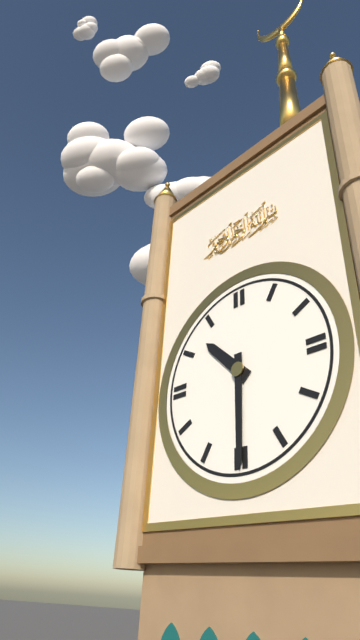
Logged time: {"hour": 10, "minute": 30}
